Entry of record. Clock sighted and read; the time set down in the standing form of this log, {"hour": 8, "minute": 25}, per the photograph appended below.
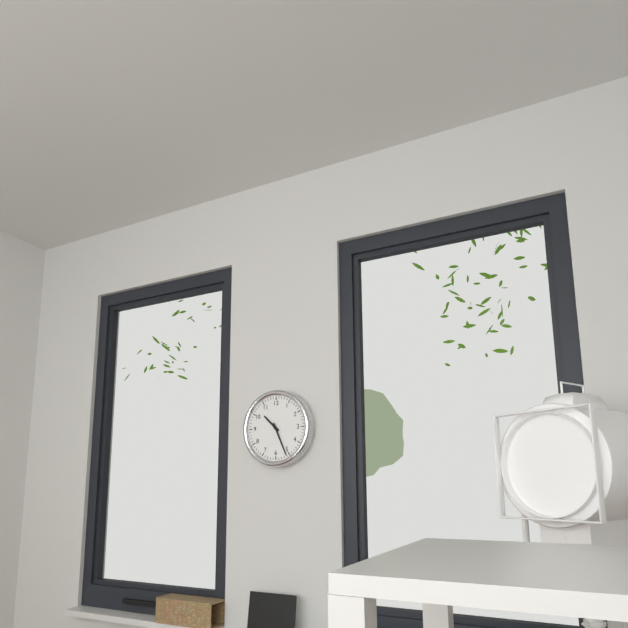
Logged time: {"hour": 10, "minute": 26}
